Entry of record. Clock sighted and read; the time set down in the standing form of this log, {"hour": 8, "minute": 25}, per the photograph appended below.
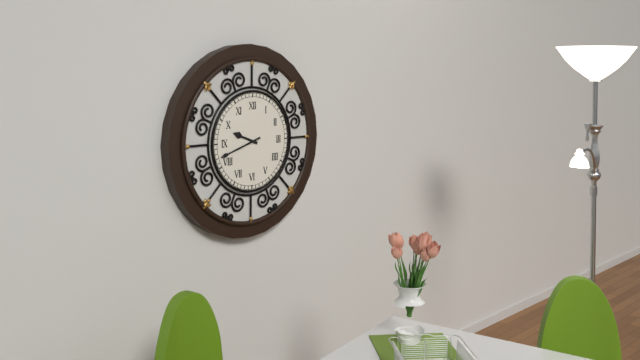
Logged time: {"hour": 9, "minute": 42}
